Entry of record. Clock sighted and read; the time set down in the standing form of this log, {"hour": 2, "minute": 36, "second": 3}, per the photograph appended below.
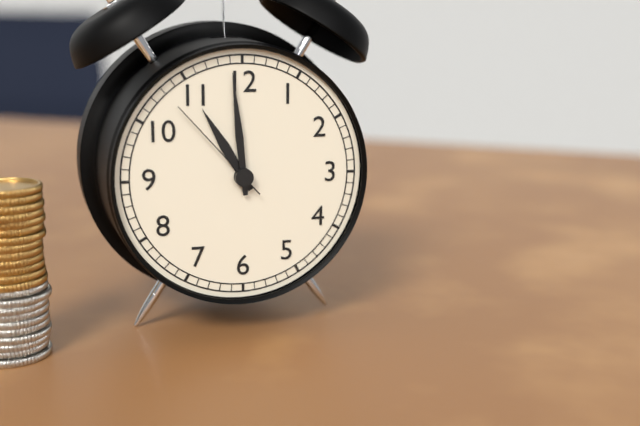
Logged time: {"hour": 10, "minute": 59, "second": 53}
